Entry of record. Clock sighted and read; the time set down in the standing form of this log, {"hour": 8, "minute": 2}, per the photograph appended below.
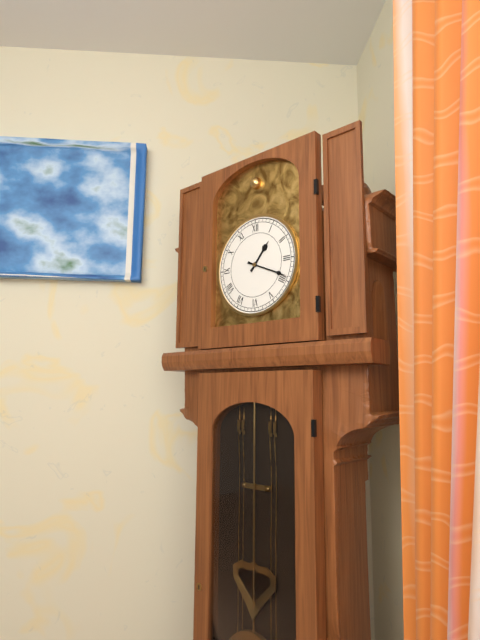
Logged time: {"hour": 1, "minute": 19}
